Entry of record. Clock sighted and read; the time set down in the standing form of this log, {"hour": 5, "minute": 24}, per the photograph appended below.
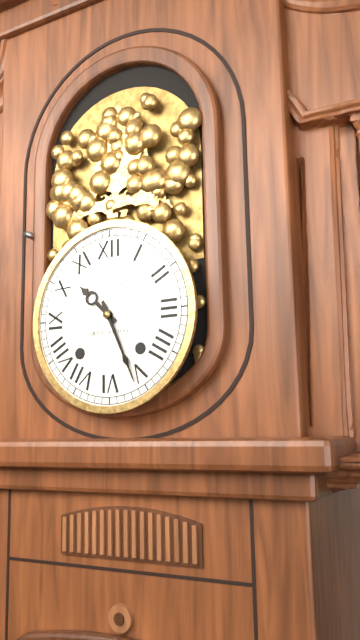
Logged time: {"hour": 10, "minute": 26}
